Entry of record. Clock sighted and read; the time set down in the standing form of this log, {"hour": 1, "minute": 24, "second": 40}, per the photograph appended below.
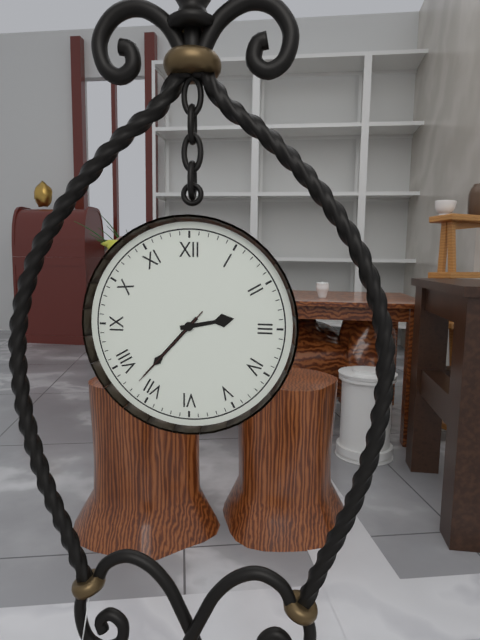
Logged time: {"hour": 2, "minute": 37, "second": 37}
